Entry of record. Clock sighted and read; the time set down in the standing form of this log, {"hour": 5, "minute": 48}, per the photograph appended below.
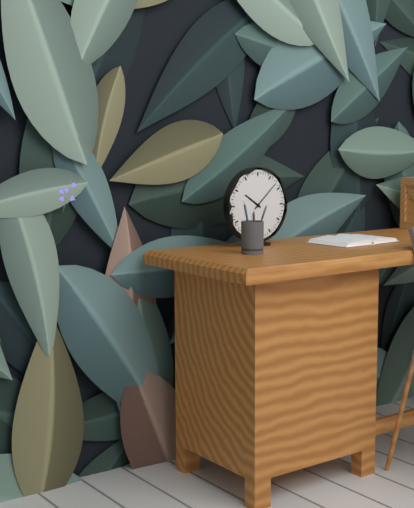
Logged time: {"hour": 10, "minute": 8}
